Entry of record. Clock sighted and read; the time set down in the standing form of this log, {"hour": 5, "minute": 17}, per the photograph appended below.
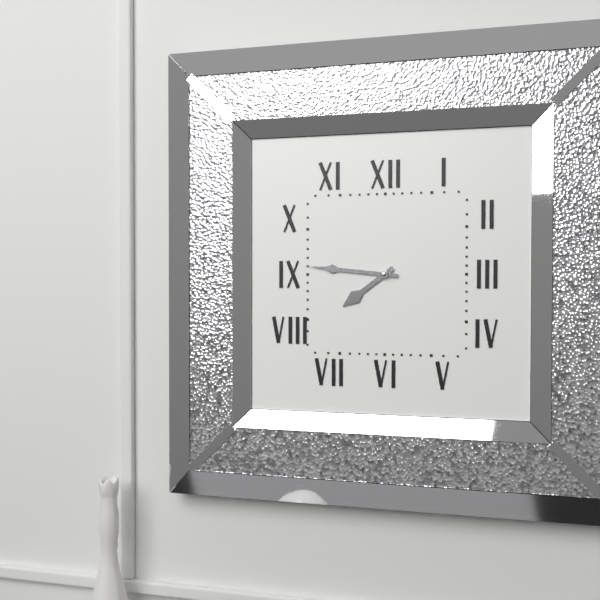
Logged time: {"hour": 7, "minute": 46}
